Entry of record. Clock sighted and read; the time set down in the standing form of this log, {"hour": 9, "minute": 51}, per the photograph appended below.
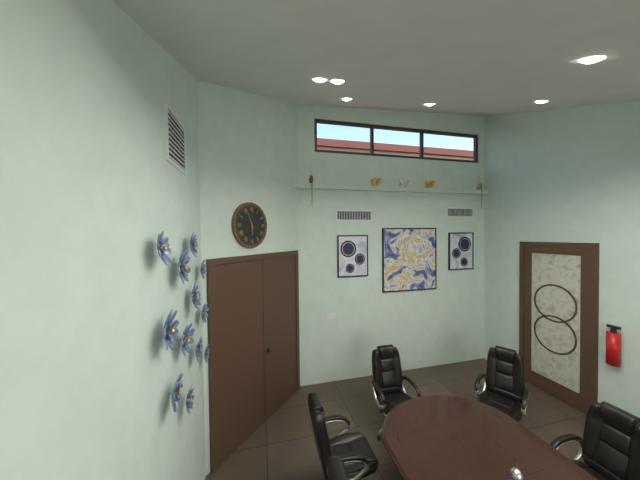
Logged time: {"hour": 5, "minute": 56}
